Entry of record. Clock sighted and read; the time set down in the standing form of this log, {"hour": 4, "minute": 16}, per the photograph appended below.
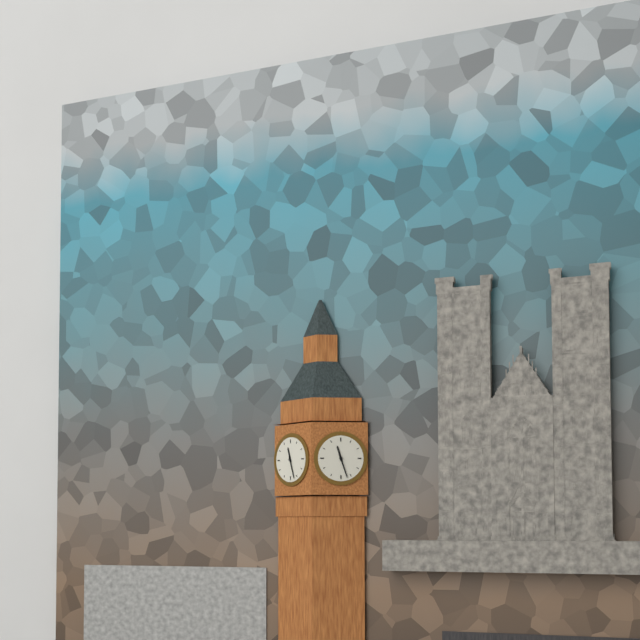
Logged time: {"hour": 11, "minute": 27}
